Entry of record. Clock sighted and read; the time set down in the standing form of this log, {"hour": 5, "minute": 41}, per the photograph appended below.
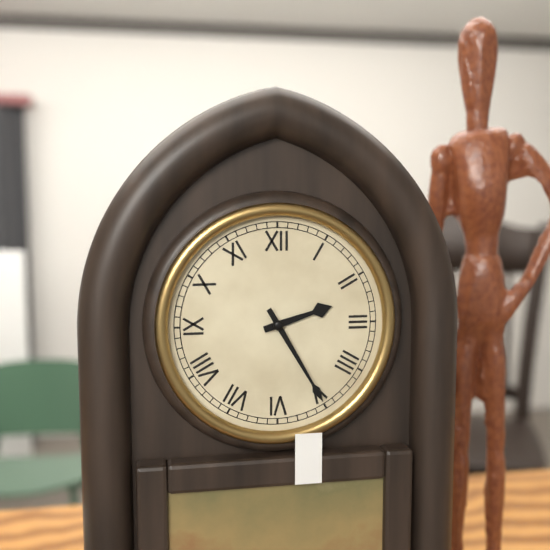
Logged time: {"hour": 2, "minute": 25}
